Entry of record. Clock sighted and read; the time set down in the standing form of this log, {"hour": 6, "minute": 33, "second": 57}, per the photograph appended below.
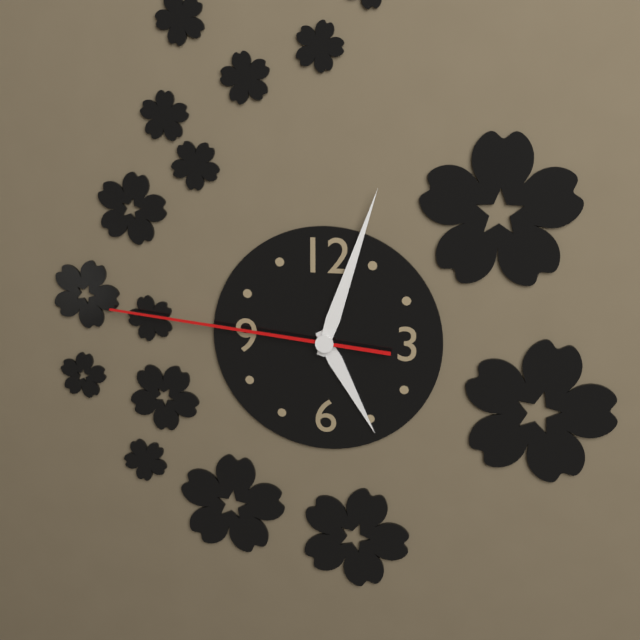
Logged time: {"hour": 5, "minute": 3, "second": 46}
